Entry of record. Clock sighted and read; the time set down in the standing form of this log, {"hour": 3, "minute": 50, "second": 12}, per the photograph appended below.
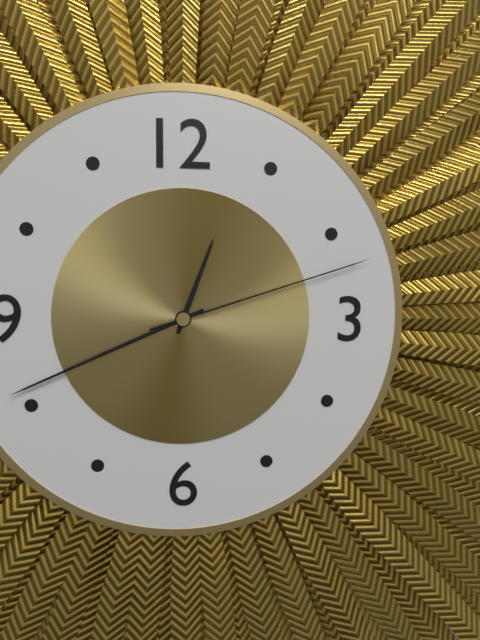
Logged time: {"hour": 12, "minute": 41, "second": 12}
